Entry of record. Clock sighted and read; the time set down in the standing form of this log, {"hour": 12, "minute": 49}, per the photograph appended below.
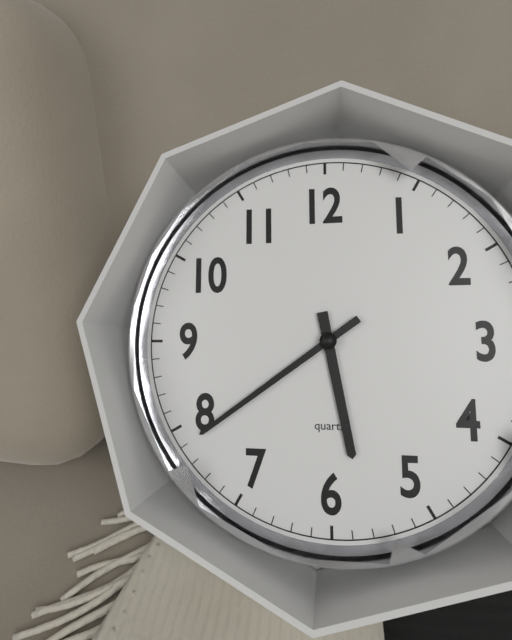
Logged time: {"hour": 5, "minute": 39}
